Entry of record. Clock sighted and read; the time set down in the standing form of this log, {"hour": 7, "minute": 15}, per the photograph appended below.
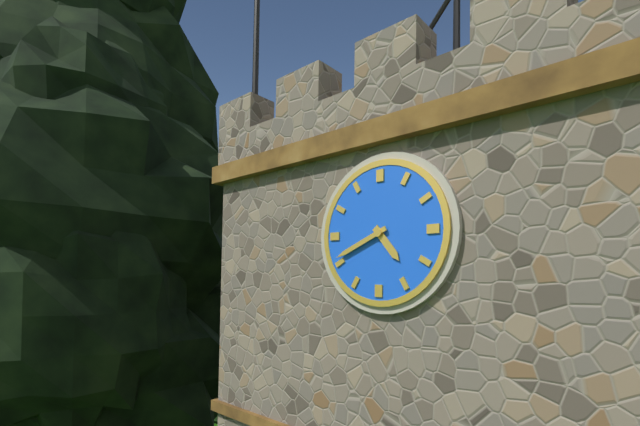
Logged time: {"hour": 4, "minute": 41}
